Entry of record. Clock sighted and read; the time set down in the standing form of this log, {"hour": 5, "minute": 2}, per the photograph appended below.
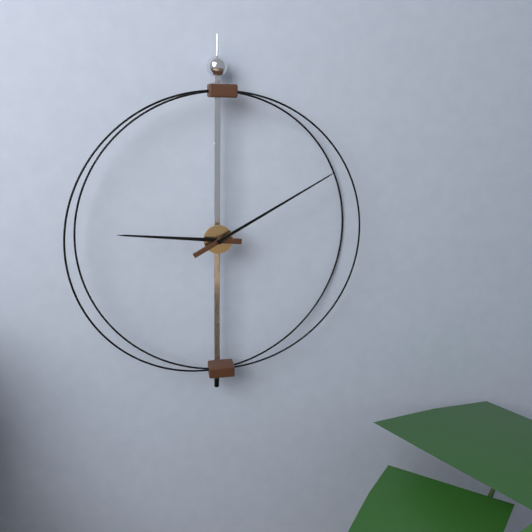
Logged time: {"hour": 9, "minute": 10}
